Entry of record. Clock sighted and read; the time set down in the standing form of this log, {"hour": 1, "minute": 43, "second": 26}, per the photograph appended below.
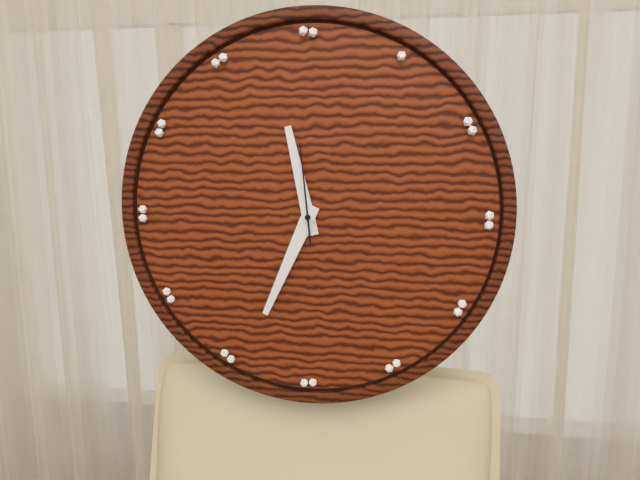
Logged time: {"hour": 11, "minute": 34, "second": 59}
